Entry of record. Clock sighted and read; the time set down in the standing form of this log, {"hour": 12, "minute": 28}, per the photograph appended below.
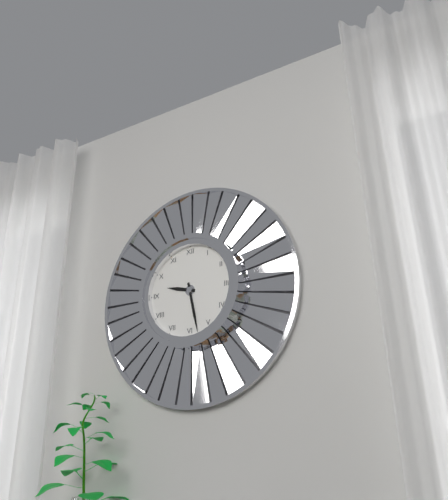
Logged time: {"hour": 9, "minute": 28}
